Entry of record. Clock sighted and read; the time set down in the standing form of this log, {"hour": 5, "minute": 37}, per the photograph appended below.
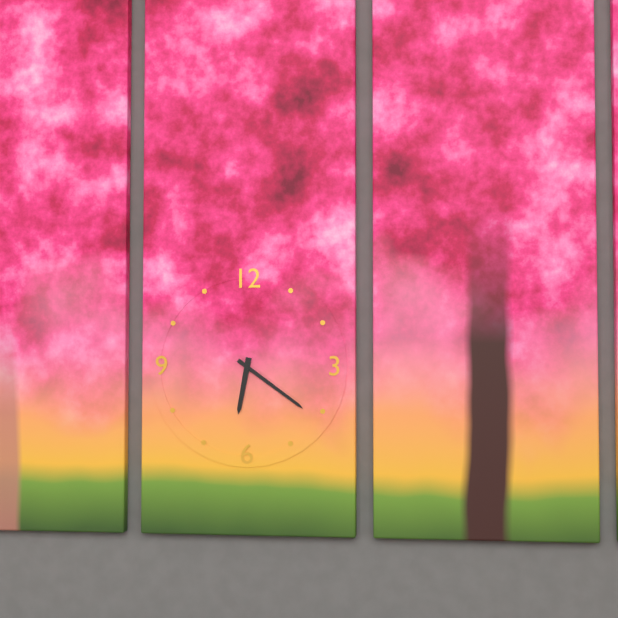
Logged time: {"hour": 6, "minute": 21}
